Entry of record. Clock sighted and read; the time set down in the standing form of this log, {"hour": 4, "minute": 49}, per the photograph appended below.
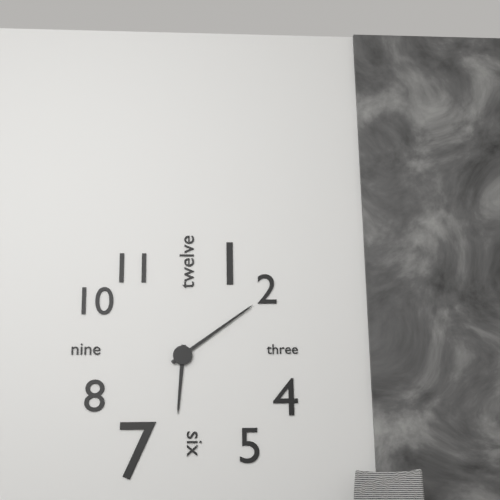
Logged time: {"hour": 6, "minute": 9}
